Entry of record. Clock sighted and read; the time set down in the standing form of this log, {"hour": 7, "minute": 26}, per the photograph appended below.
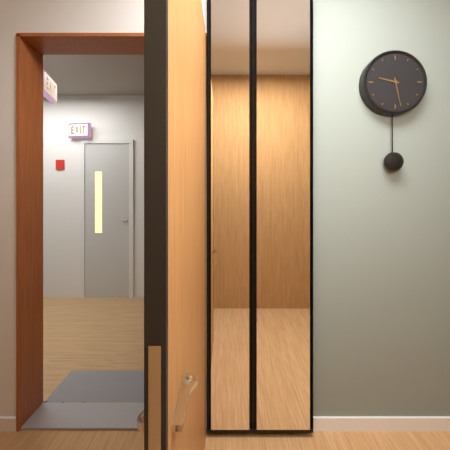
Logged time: {"hour": 9, "minute": 28}
